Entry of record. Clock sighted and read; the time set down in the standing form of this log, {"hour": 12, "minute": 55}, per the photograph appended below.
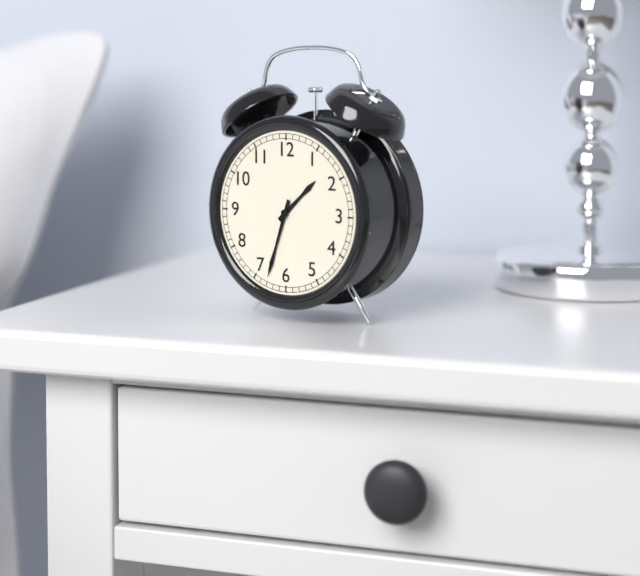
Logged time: {"hour": 1, "minute": 33}
